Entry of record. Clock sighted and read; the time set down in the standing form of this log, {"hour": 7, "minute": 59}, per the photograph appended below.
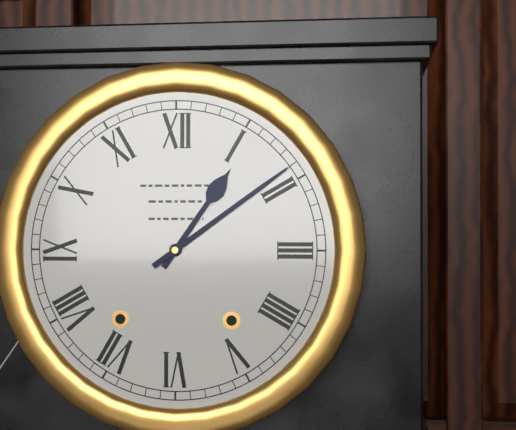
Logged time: {"hour": 1, "minute": 9}
